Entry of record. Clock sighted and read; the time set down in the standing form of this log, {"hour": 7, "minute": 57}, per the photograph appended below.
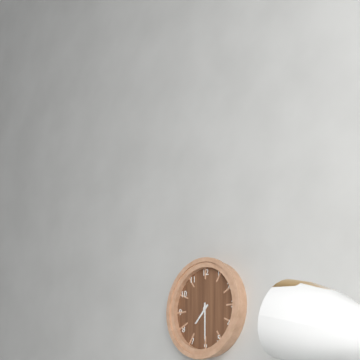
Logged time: {"hour": 7, "minute": 30}
